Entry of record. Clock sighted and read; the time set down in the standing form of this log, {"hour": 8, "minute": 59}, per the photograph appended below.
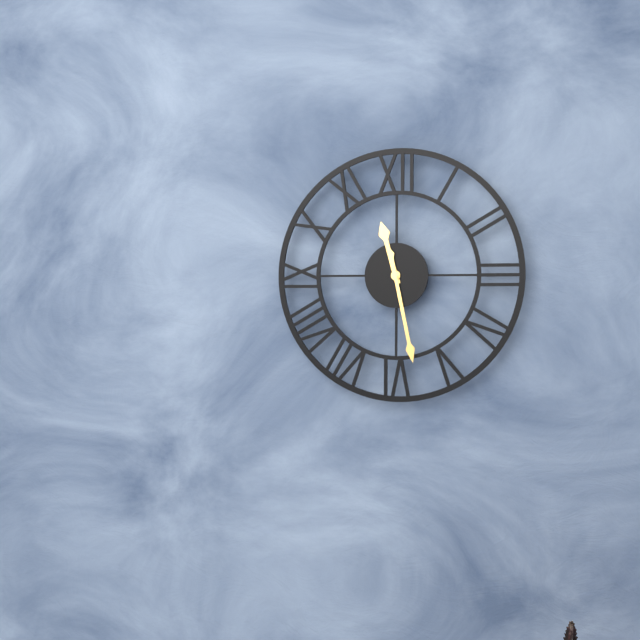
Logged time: {"hour": 11, "minute": 28}
